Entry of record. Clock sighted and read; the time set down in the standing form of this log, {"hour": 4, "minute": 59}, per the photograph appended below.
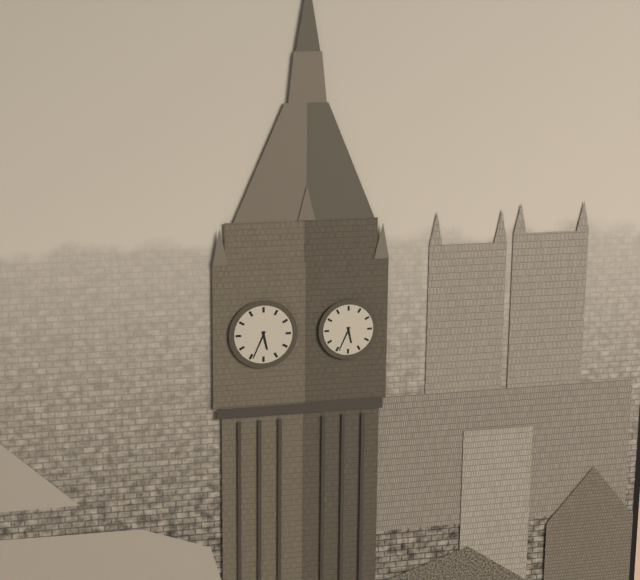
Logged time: {"hour": 5, "minute": 34}
